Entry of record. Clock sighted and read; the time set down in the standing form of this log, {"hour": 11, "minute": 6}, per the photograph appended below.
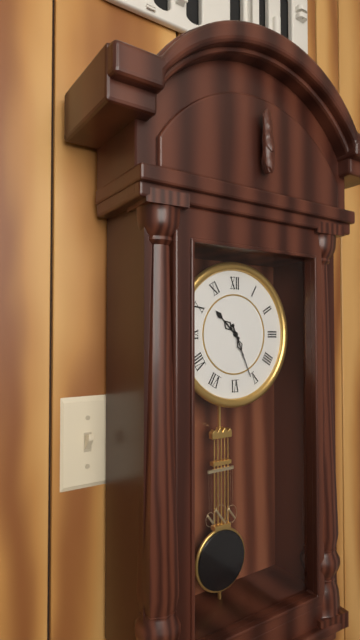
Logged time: {"hour": 10, "minute": 26}
